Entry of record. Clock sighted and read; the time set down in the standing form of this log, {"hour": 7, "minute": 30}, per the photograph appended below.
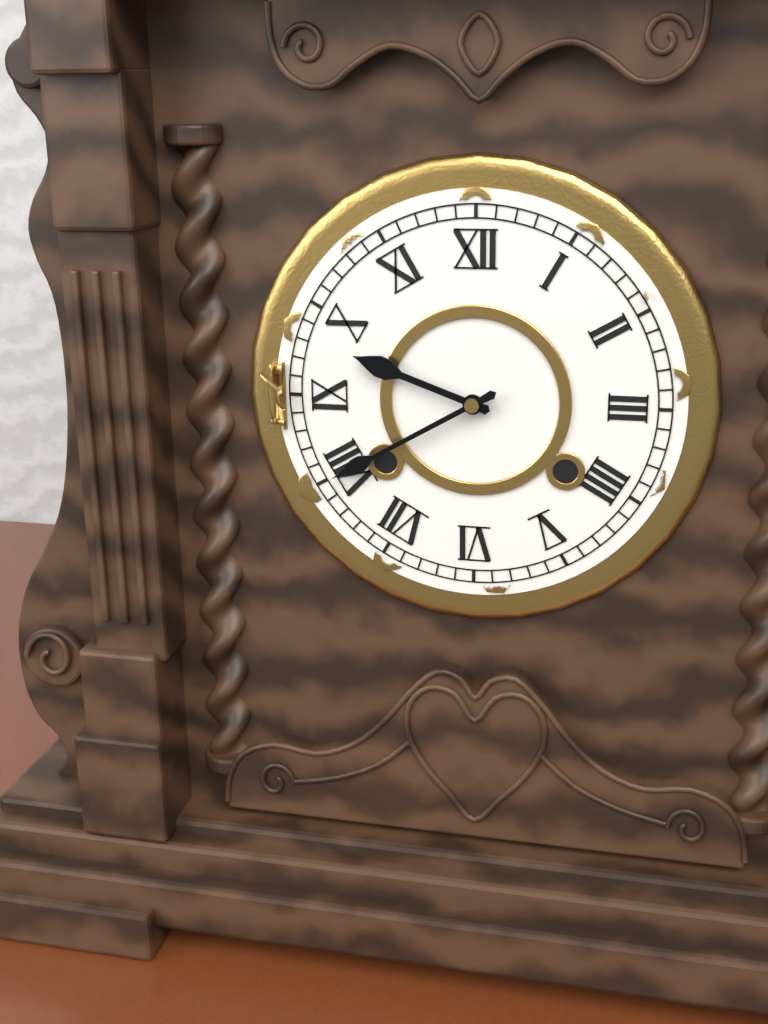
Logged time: {"hour": 9, "minute": 40}
